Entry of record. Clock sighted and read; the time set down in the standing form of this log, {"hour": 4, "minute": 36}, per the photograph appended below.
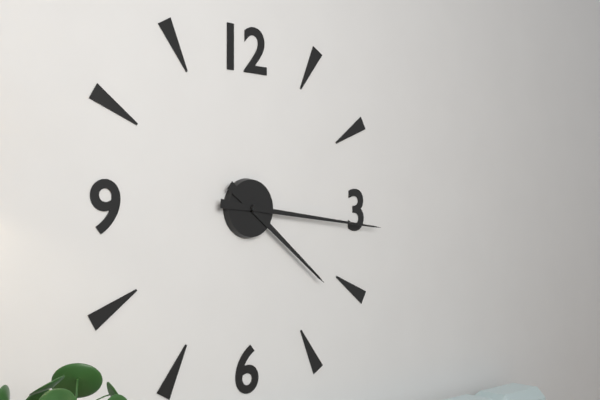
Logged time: {"hour": 4, "minute": 16}
